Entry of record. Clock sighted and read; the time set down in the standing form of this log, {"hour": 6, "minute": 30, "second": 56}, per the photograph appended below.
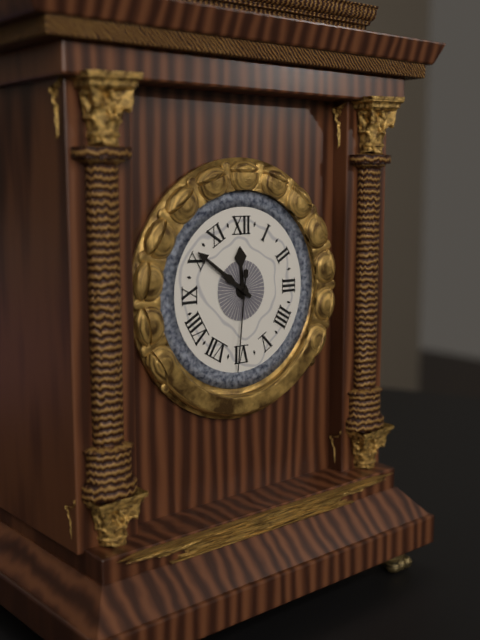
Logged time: {"hour": 11, "minute": 51, "second": 31}
